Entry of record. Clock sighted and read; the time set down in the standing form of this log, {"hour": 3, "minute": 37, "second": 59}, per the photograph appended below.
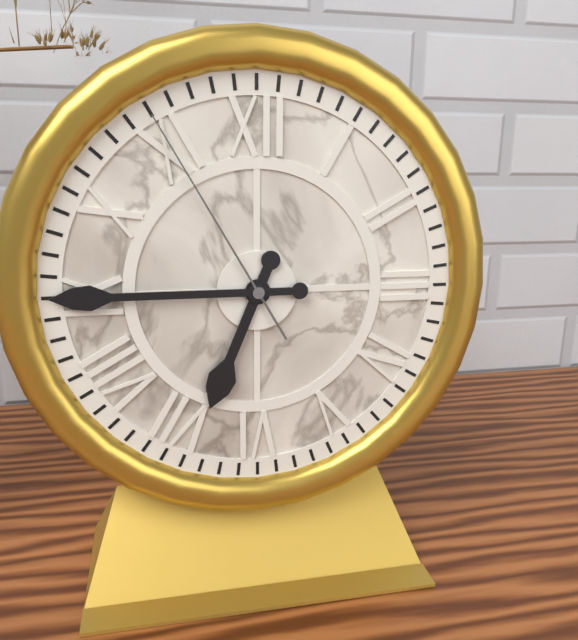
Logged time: {"hour": 6, "minute": 45, "second": 55}
